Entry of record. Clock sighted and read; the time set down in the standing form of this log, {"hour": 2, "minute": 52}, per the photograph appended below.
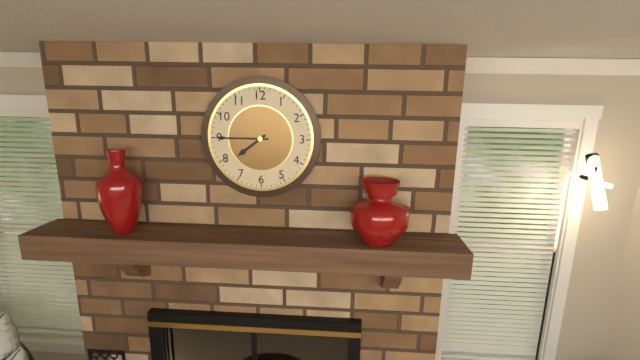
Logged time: {"hour": 7, "minute": 45}
